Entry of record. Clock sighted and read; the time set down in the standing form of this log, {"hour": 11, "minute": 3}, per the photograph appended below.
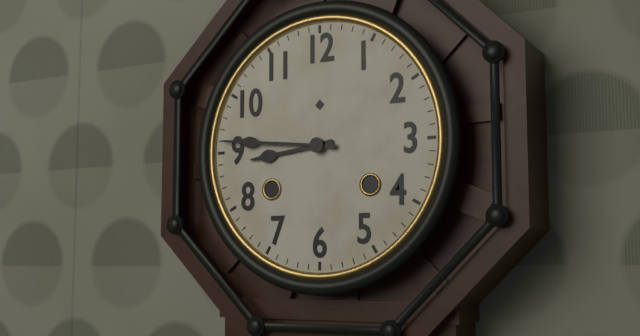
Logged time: {"hour": 8, "minute": 46}
